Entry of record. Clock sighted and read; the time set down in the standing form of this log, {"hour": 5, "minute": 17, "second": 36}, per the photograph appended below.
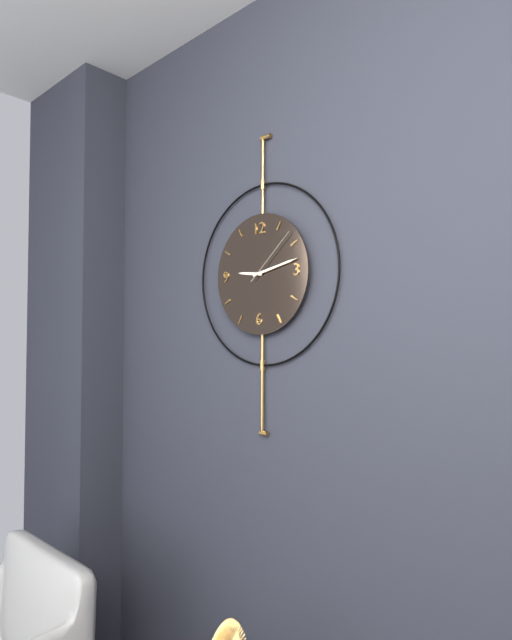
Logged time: {"hour": 9, "minute": 13, "second": 8}
